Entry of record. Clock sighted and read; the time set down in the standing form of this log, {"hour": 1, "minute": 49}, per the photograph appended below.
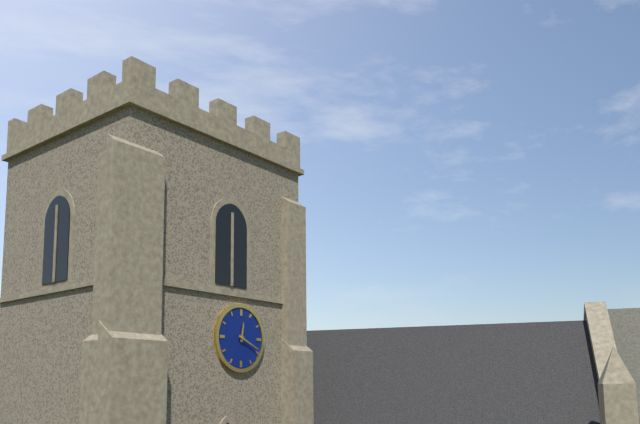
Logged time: {"hour": 12, "minute": 19}
